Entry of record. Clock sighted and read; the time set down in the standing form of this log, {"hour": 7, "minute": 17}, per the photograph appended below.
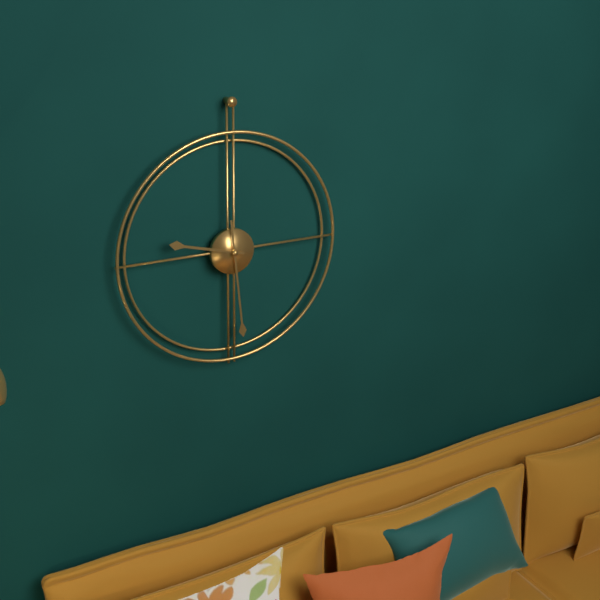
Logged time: {"hour": 9, "minute": 29}
